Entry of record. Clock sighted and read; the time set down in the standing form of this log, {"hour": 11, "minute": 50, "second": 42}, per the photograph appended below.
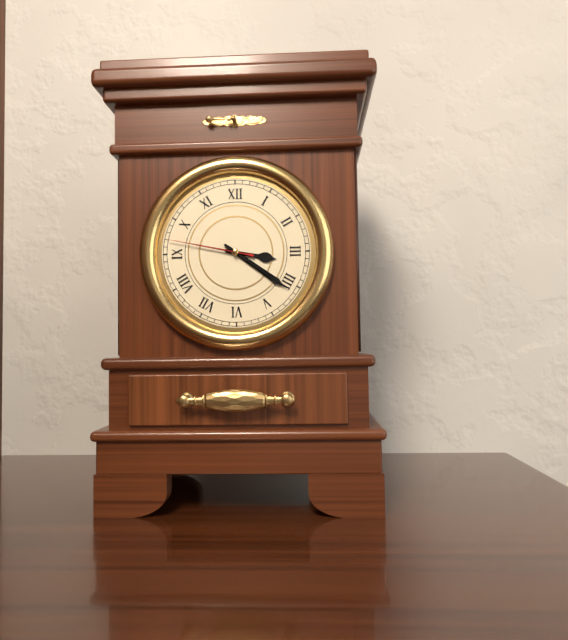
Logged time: {"hour": 3, "minute": 21, "second": 47}
